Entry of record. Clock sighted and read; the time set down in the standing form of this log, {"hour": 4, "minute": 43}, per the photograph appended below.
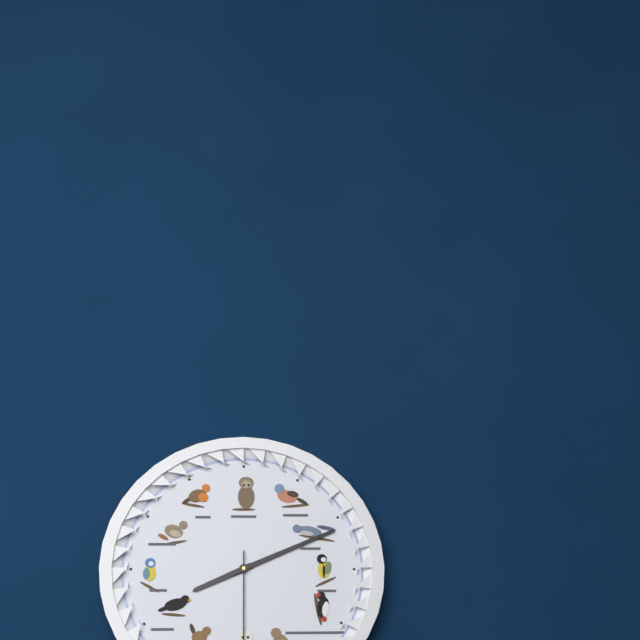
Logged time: {"hour": 8, "minute": 11}
